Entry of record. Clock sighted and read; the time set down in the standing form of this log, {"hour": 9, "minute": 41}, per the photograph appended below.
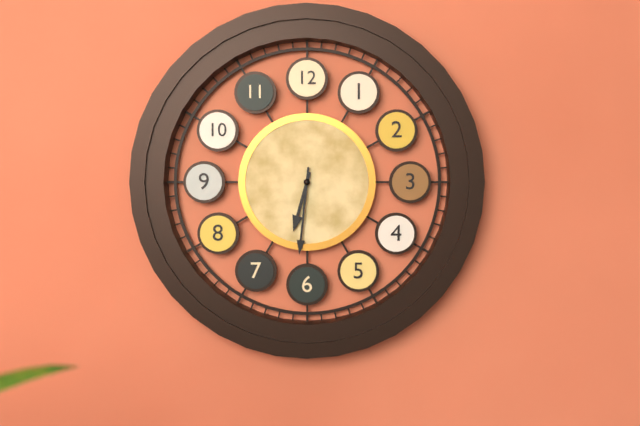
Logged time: {"hour": 6, "minute": 31}
